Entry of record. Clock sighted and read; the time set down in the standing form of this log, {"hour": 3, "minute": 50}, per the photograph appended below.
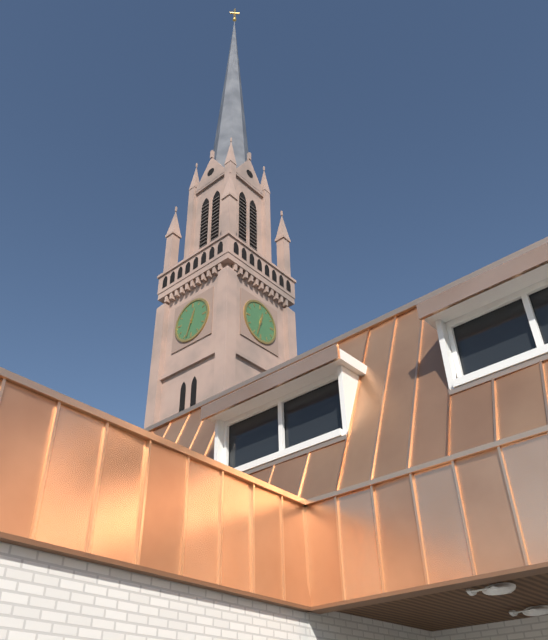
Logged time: {"hour": 12, "minute": 33}
